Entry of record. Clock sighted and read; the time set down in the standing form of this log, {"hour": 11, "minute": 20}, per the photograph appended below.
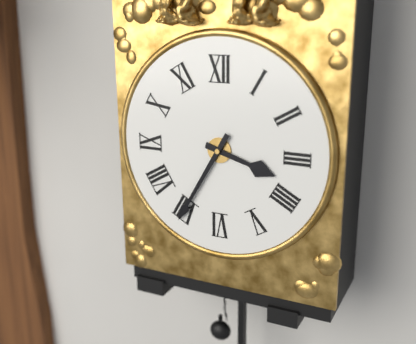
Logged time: {"hour": 3, "minute": 35}
